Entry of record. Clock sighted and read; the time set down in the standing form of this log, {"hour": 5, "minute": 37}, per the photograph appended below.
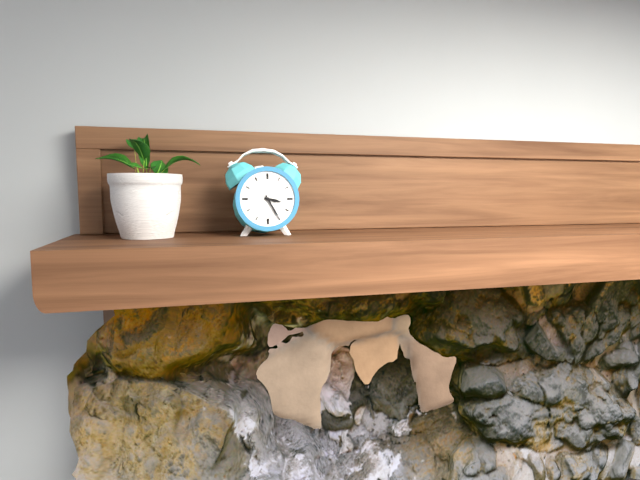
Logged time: {"hour": 3, "minute": 25}
